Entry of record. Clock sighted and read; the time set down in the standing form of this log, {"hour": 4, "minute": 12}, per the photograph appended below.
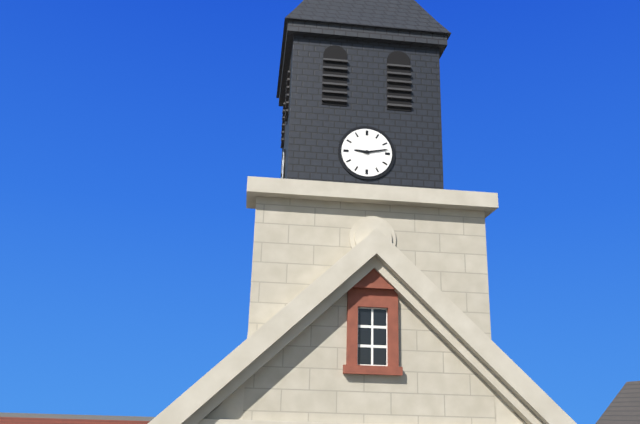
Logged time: {"hour": 9, "minute": 13}
